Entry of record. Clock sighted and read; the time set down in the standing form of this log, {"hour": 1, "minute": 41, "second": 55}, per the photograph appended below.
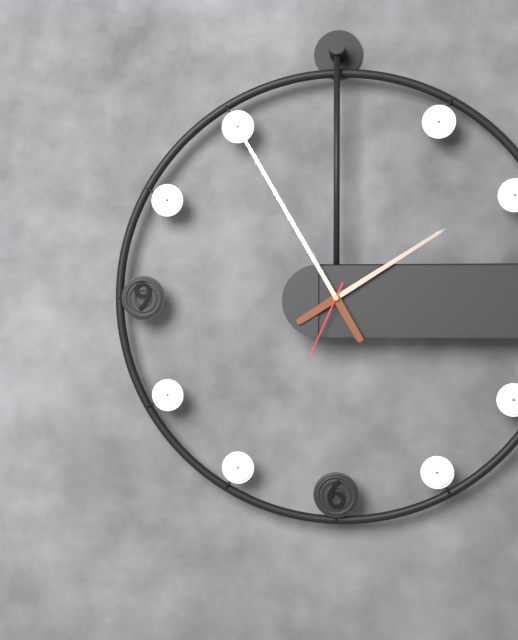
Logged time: {"hour": 1, "minute": 55, "second": 34}
